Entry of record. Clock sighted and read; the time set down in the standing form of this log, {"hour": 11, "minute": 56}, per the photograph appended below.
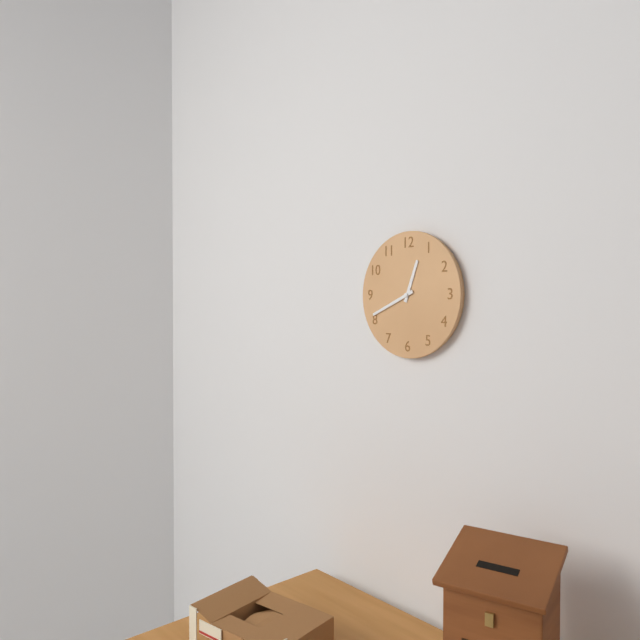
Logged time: {"hour": 12, "minute": 41}
